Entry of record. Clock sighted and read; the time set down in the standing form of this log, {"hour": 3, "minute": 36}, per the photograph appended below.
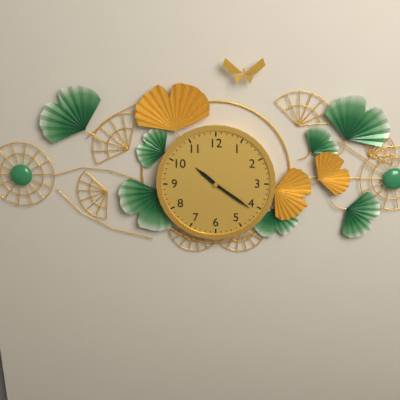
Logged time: {"hour": 10, "minute": 21}
